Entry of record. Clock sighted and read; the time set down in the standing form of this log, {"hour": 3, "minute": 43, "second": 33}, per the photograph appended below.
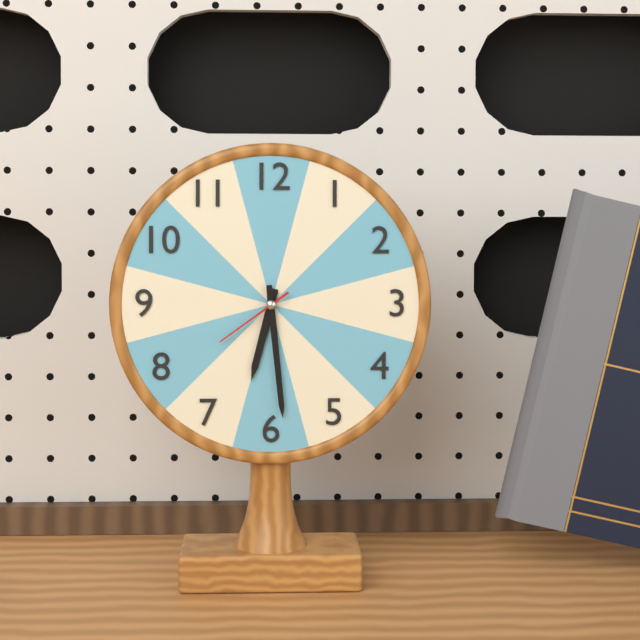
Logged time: {"hour": 6, "minute": 29, "second": 39}
